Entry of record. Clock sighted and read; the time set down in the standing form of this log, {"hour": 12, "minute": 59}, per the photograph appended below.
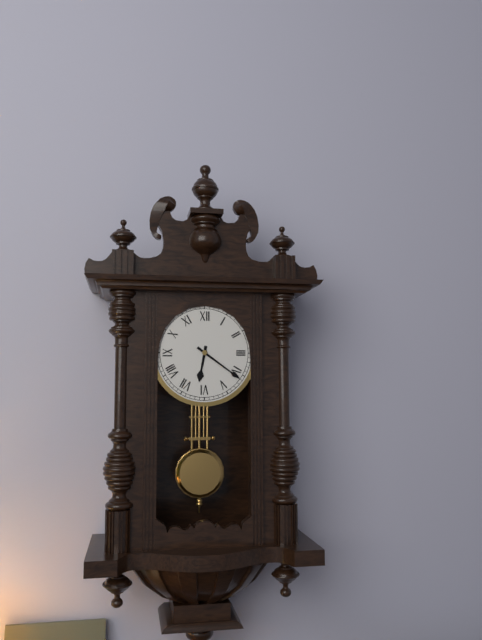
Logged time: {"hour": 6, "minute": 21}
